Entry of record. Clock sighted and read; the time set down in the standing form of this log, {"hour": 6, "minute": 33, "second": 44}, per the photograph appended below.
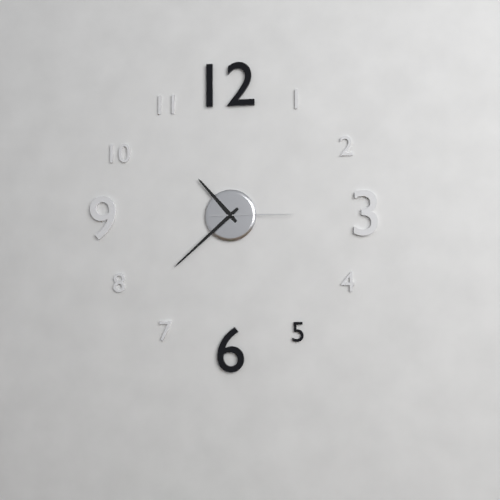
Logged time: {"hour": 10, "minute": 38, "second": 15}
